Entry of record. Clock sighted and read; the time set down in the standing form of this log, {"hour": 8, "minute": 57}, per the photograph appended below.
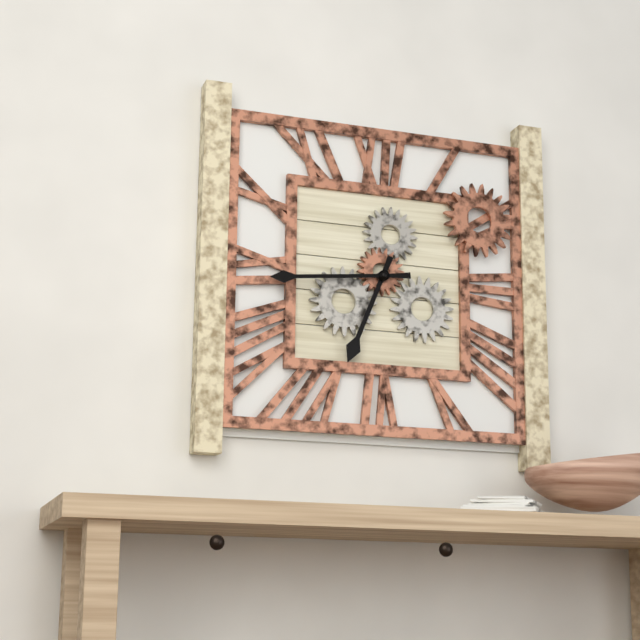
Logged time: {"hour": 6, "minute": 44}
